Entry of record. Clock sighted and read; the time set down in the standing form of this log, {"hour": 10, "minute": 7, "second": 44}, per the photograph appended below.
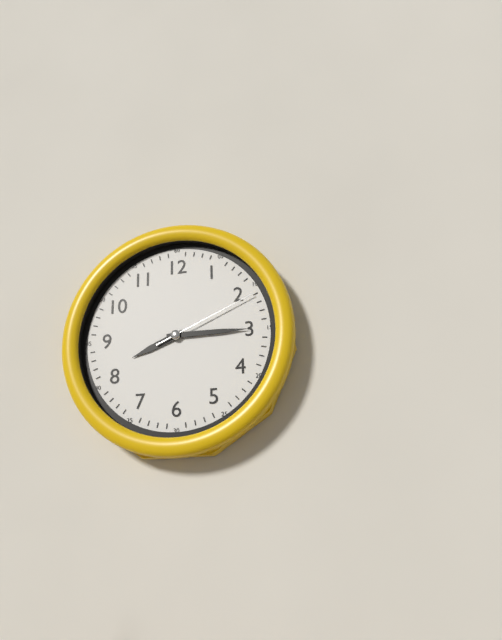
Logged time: {"hour": 8, "minute": 15, "second": 11}
